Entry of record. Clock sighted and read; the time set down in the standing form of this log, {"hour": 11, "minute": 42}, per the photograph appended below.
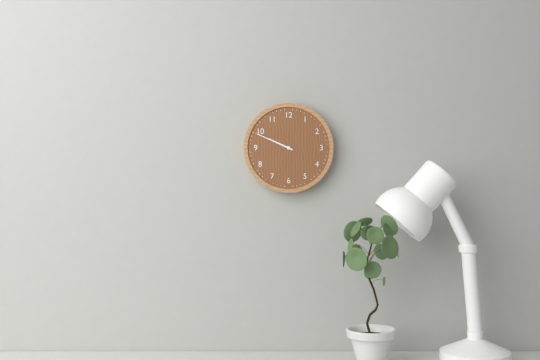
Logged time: {"hour": 9, "minute": 49}
